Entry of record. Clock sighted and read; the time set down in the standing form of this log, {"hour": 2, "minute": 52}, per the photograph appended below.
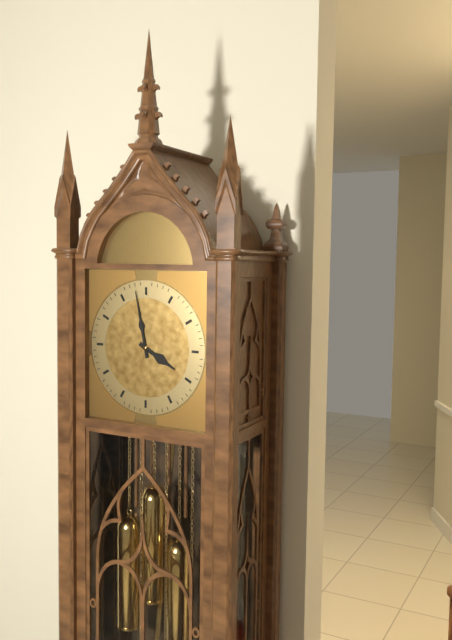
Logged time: {"hour": 3, "minute": 58}
